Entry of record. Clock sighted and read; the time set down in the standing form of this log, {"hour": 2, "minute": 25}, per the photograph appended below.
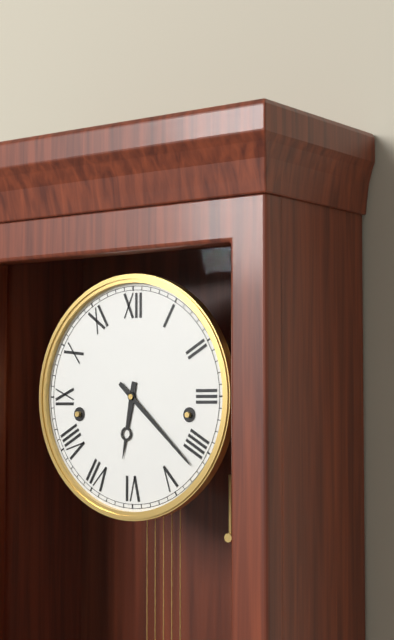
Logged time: {"hour": 6, "minute": 22}
